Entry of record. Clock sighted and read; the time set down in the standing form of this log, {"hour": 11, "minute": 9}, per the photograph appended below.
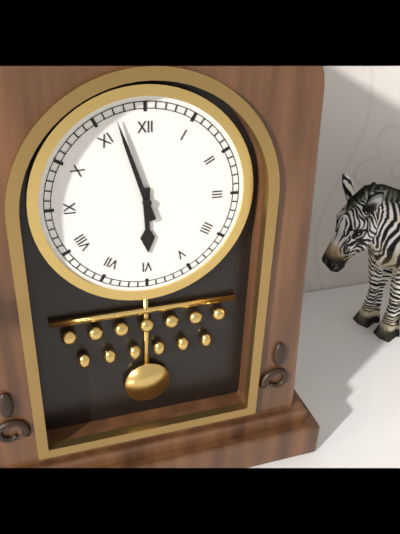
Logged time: {"hour": 5, "minute": 57}
